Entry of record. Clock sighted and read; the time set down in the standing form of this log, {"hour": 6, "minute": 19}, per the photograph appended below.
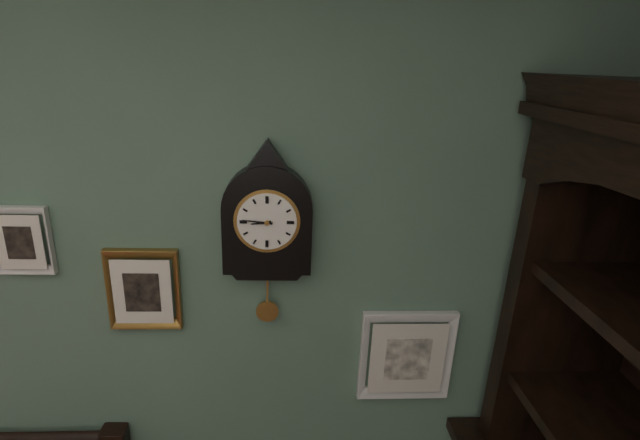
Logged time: {"hour": 8, "minute": 46}
